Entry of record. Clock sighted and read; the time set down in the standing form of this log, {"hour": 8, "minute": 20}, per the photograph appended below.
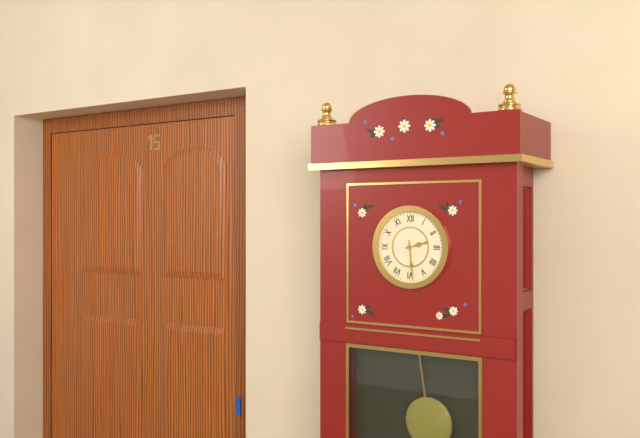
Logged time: {"hour": 2, "minute": 29}
